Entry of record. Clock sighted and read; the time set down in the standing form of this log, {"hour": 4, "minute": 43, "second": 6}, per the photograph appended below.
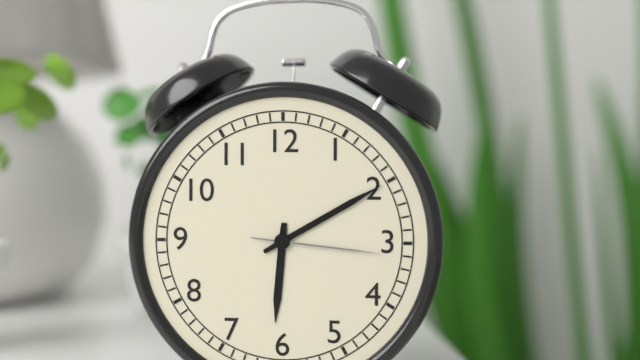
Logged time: {"hour": 6, "minute": 10, "second": 16}
